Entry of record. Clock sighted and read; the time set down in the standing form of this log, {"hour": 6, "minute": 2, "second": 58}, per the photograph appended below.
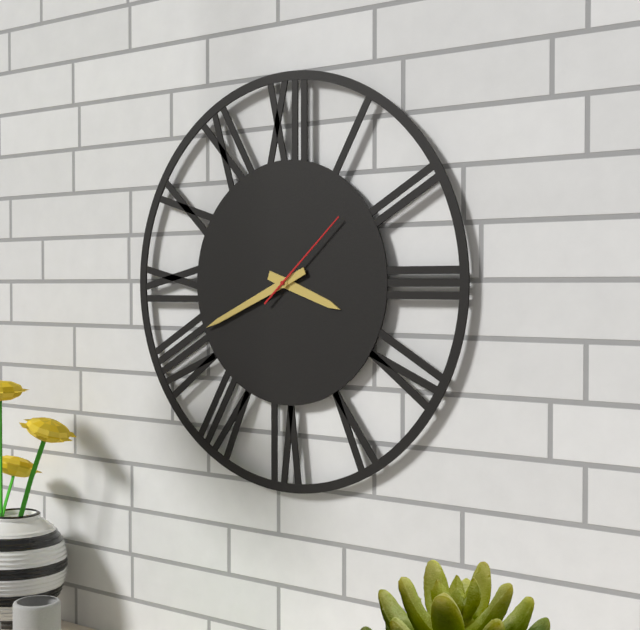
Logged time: {"hour": 3, "minute": 41, "second": 8}
